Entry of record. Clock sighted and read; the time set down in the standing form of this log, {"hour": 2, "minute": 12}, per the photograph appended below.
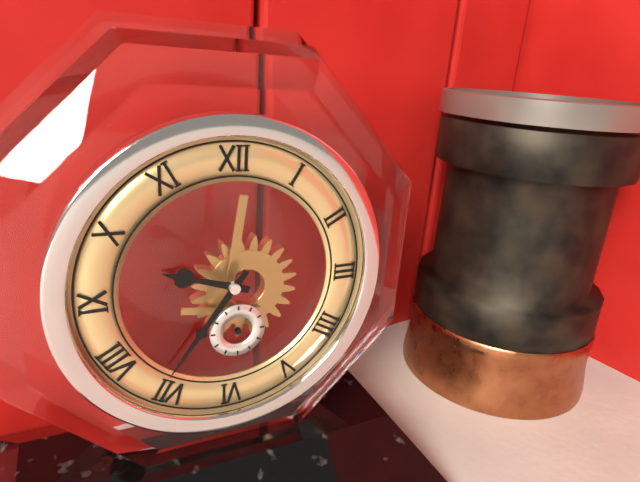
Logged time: {"hour": 9, "minute": 36}
